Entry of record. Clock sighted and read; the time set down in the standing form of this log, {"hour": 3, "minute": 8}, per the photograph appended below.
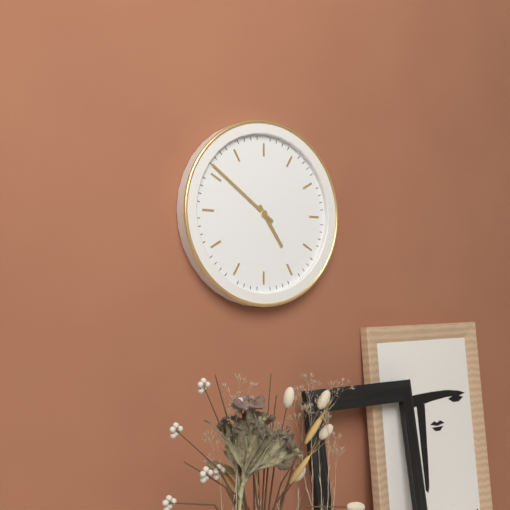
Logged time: {"hour": 4, "minute": 51}
